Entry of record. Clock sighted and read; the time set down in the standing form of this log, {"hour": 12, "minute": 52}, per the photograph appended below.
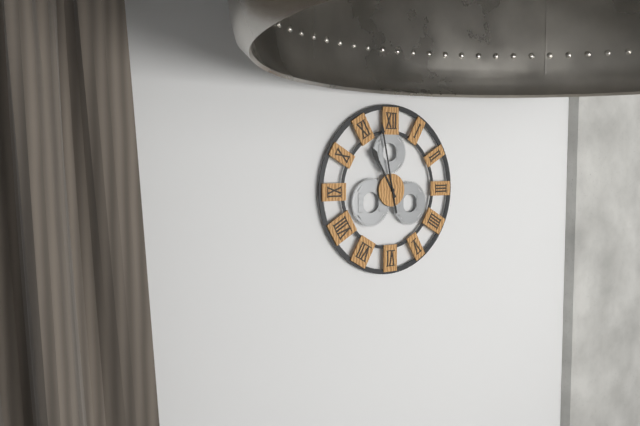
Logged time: {"hour": 10, "minute": 58}
